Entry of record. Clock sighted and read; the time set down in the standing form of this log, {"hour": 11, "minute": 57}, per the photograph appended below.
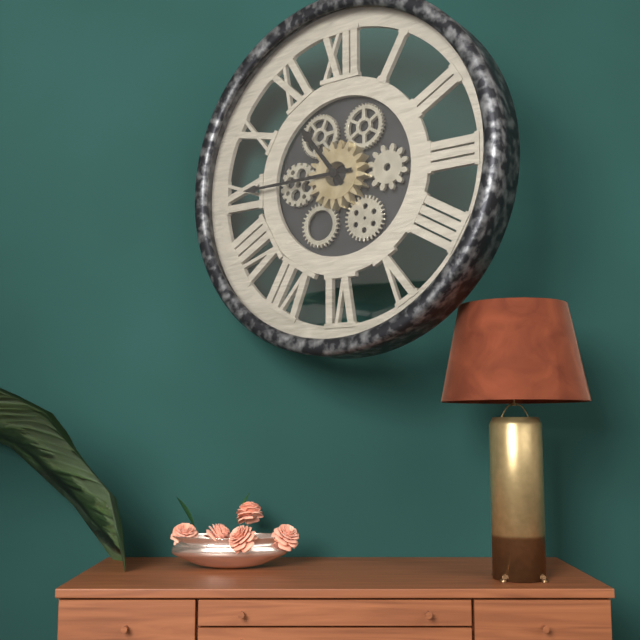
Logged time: {"hour": 10, "minute": 45}
